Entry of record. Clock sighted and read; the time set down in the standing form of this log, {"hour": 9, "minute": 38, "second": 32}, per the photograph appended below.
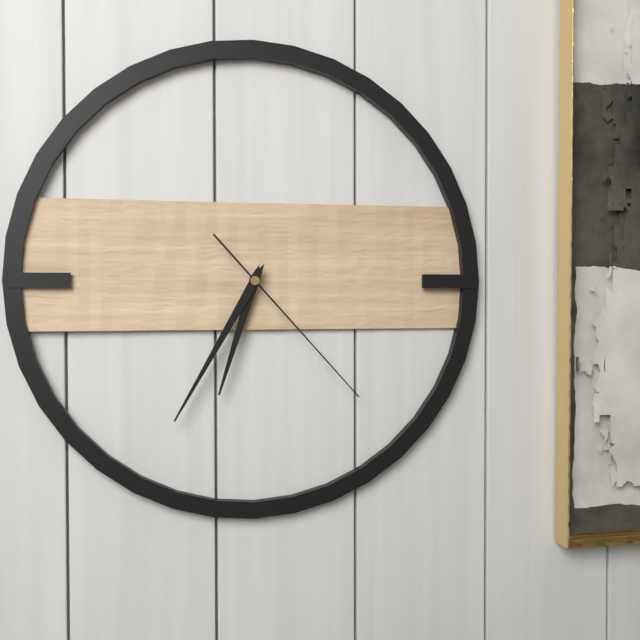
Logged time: {"hour": 6, "minute": 35, "second": 23}
